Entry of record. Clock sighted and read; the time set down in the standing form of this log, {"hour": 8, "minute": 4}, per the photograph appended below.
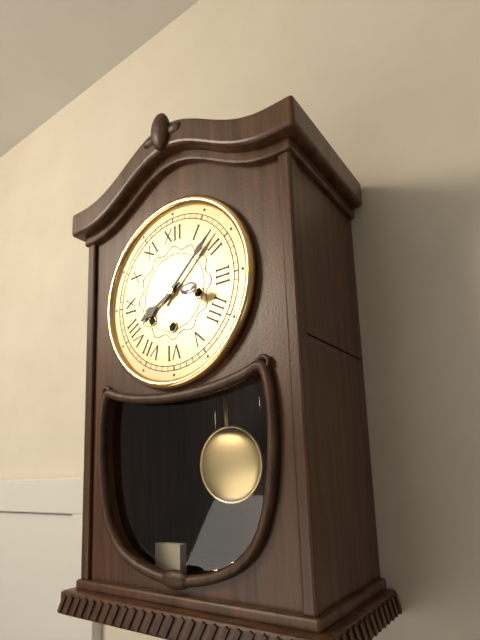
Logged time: {"hour": 8, "minute": 8}
